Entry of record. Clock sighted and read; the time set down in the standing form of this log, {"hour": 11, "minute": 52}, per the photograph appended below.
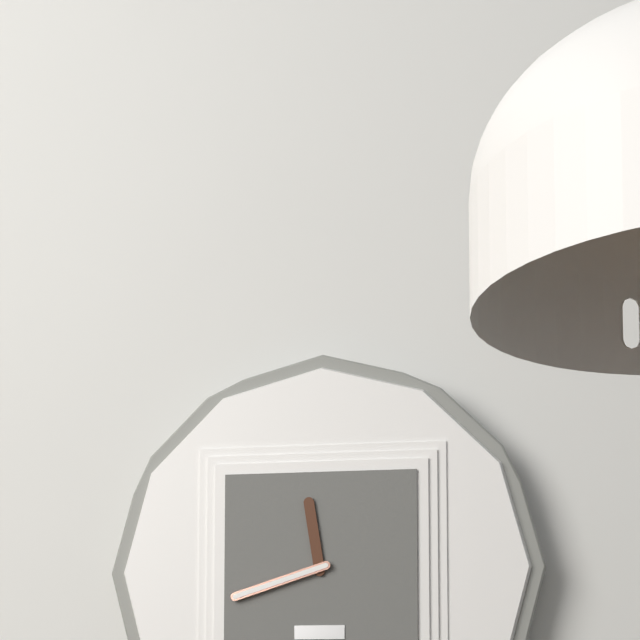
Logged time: {"hour": 11, "minute": 42}
